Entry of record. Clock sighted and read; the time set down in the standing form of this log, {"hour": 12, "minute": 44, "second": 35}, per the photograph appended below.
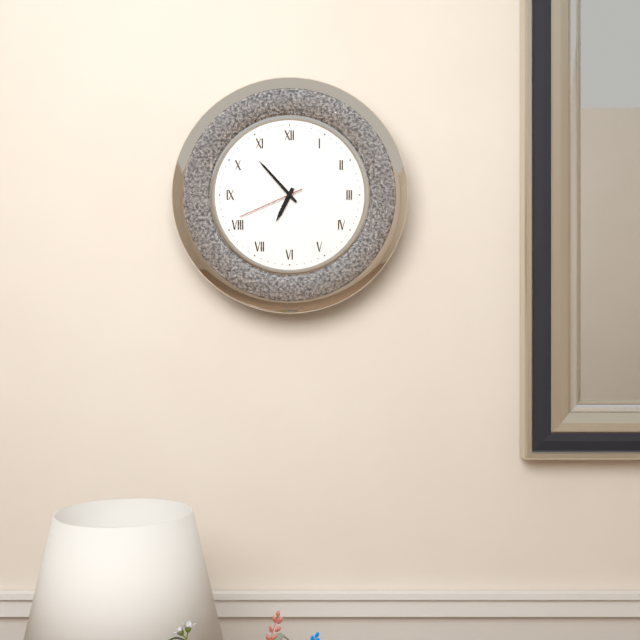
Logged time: {"hour": 6, "minute": 53, "second": 41}
